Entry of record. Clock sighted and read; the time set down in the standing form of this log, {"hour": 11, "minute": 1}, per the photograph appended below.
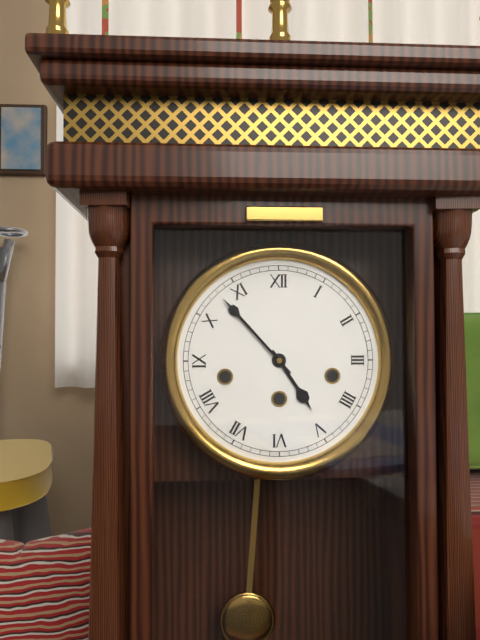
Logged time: {"hour": 4, "minute": 53}
